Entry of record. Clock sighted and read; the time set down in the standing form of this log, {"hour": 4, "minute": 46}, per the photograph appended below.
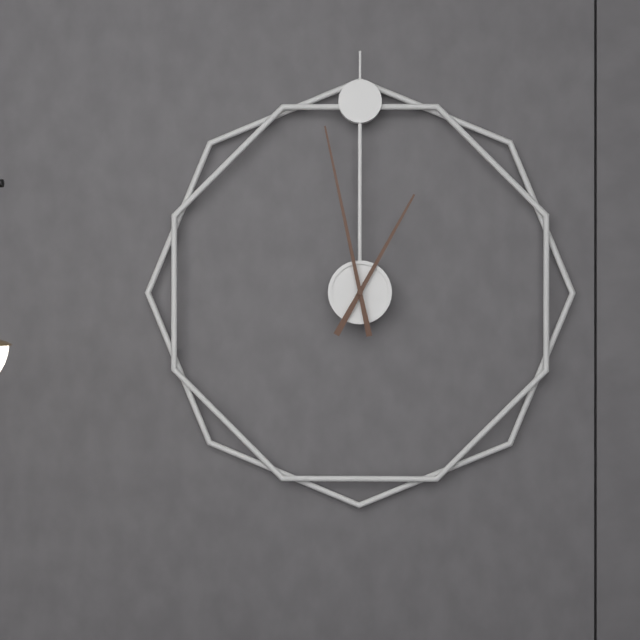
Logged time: {"hour": 12, "minute": 58}
